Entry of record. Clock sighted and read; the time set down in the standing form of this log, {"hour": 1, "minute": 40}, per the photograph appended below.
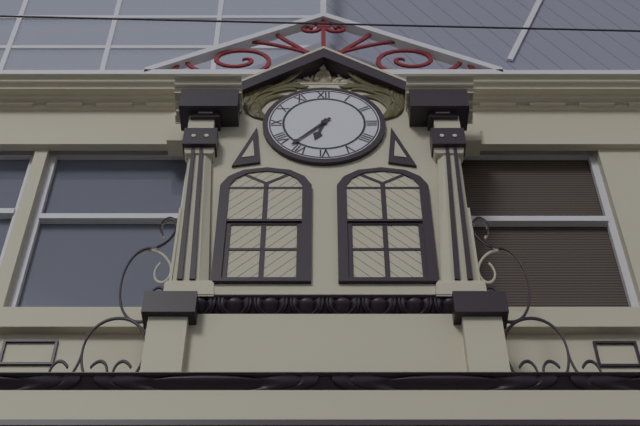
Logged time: {"hour": 6, "minute": 37}
